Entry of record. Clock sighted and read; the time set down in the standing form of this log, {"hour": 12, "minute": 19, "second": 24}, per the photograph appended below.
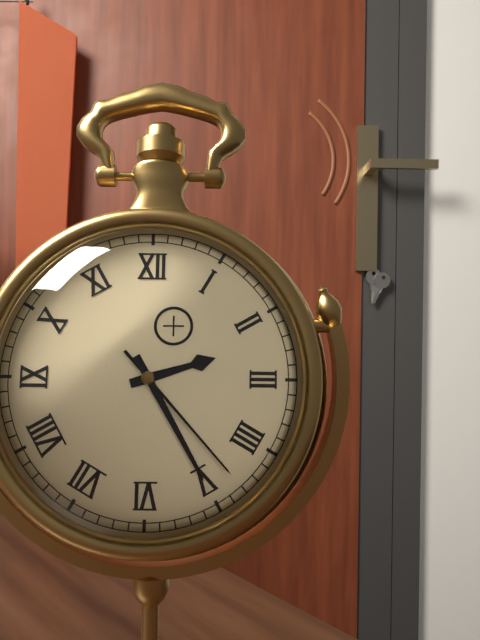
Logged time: {"hour": 2, "minute": 25, "second": 23}
